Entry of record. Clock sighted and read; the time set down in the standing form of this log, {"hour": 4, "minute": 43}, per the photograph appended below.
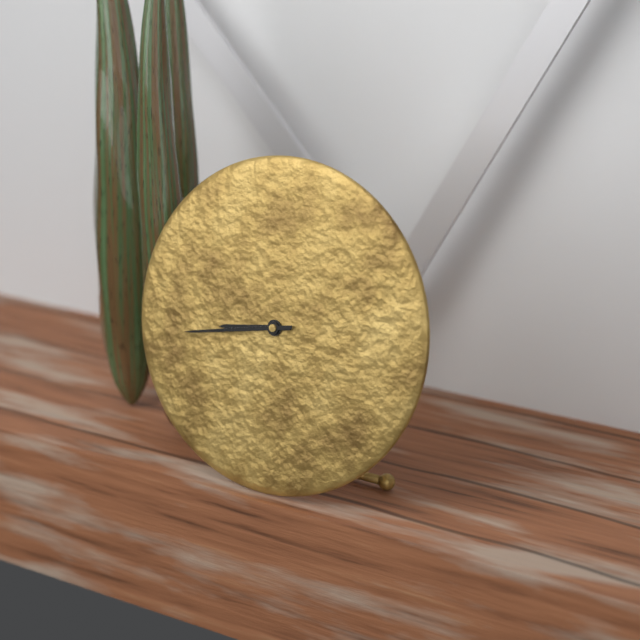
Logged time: {"hour": 8, "minute": 43}
